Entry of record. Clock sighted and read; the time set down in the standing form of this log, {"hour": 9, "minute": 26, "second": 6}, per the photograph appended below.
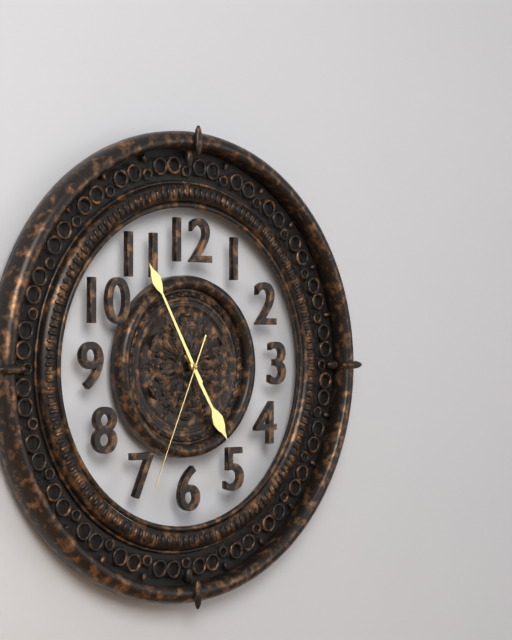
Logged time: {"hour": 4, "minute": 55, "second": 34}
